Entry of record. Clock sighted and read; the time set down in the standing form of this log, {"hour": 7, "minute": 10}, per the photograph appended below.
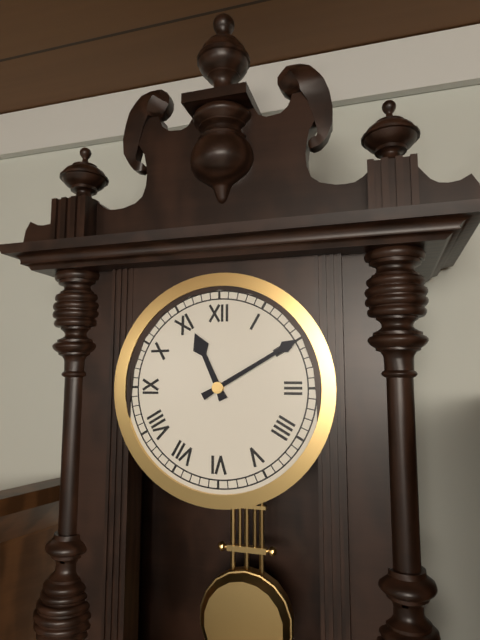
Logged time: {"hour": 11, "minute": 10}
